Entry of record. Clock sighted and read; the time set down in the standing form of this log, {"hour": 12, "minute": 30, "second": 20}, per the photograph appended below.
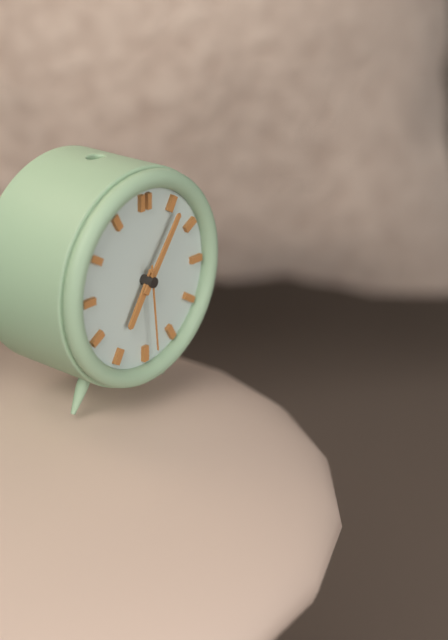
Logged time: {"hour": 7, "minute": 6, "second": 29}
